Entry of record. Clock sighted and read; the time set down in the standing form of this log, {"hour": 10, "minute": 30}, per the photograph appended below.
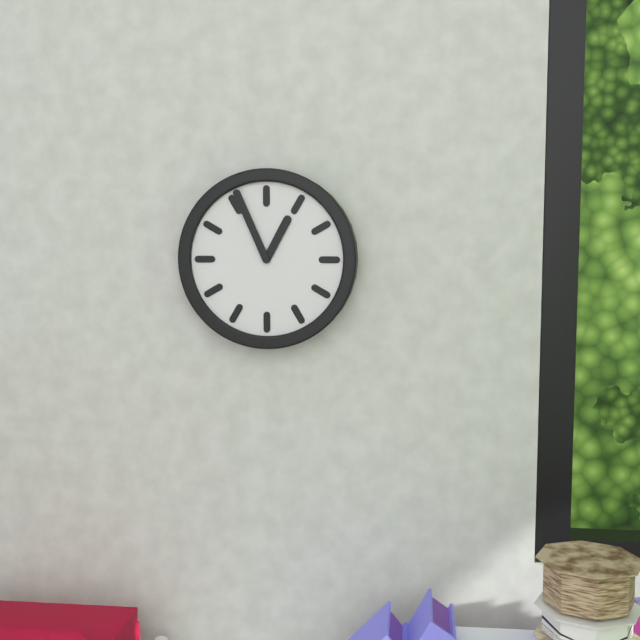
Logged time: {"hour": 12, "minute": 56}
